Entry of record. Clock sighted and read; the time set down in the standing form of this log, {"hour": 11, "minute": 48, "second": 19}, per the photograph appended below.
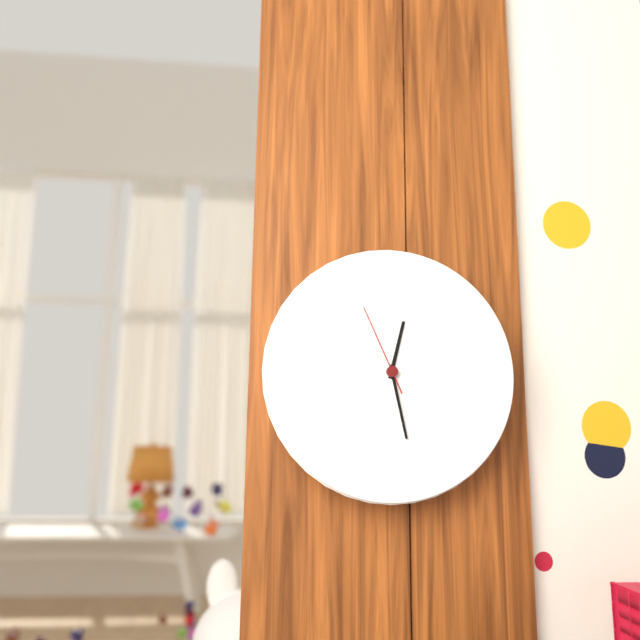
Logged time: {"hour": 12, "minute": 28, "second": 56}
